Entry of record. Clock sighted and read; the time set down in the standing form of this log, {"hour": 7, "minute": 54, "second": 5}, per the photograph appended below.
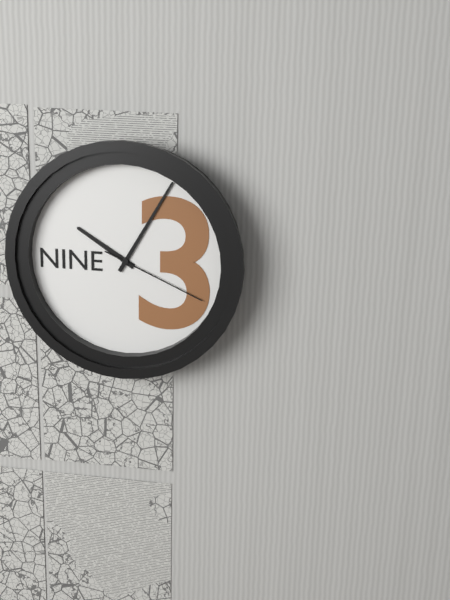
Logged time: {"hour": 10, "minute": 5, "second": 19}
